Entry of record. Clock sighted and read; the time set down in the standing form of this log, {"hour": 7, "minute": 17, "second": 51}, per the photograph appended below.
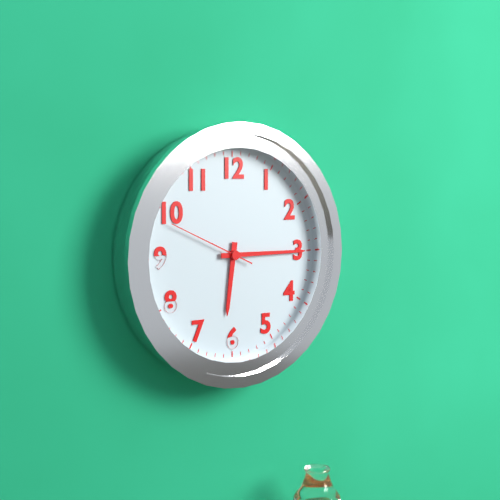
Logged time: {"hour": 6, "minute": 15, "second": 49}
